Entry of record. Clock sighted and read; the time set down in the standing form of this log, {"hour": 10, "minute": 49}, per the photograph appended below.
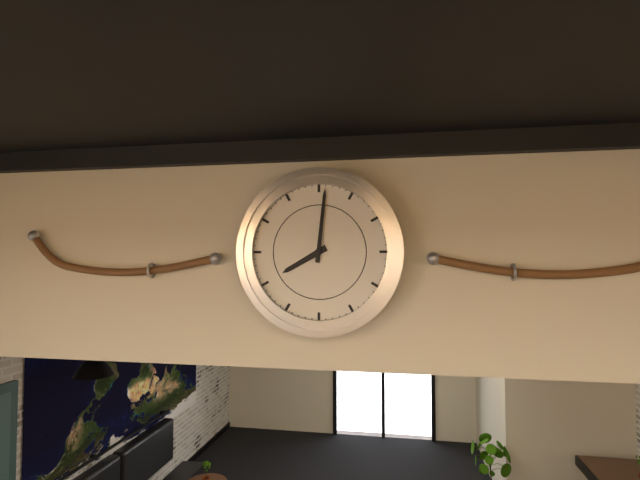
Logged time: {"hour": 8, "minute": 1}
